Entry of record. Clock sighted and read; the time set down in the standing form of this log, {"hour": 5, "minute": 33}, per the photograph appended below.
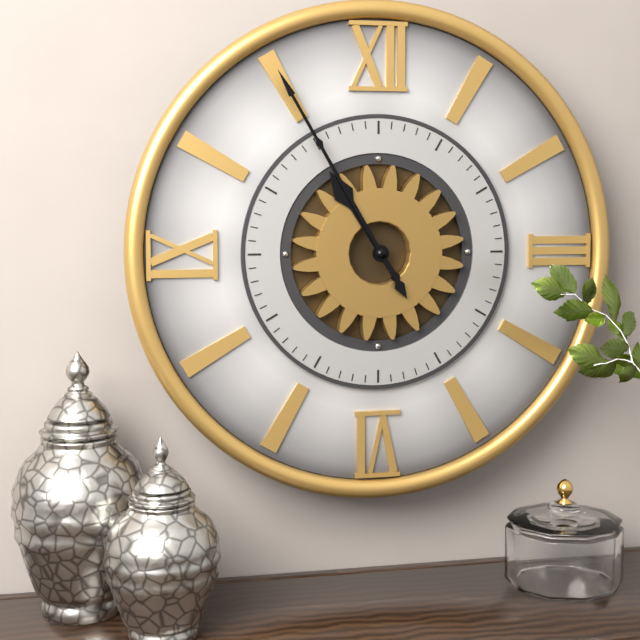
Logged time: {"hour": 10, "minute": 55}
